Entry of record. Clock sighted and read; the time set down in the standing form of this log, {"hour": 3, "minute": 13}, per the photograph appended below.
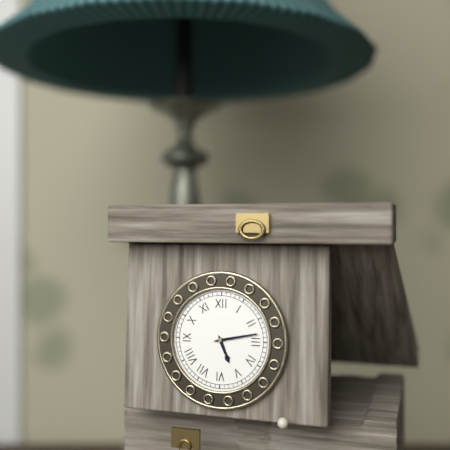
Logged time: {"hour": 5, "minute": 13}
